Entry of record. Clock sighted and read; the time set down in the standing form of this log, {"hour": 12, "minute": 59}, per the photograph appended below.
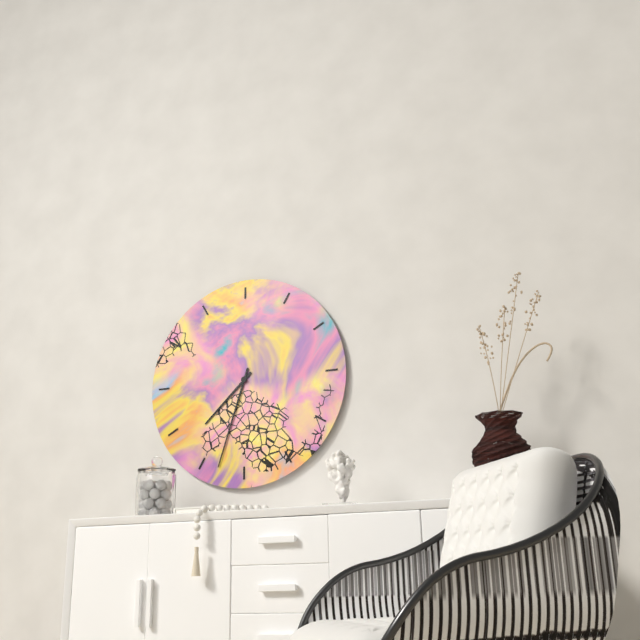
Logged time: {"hour": 7, "minute": 33}
